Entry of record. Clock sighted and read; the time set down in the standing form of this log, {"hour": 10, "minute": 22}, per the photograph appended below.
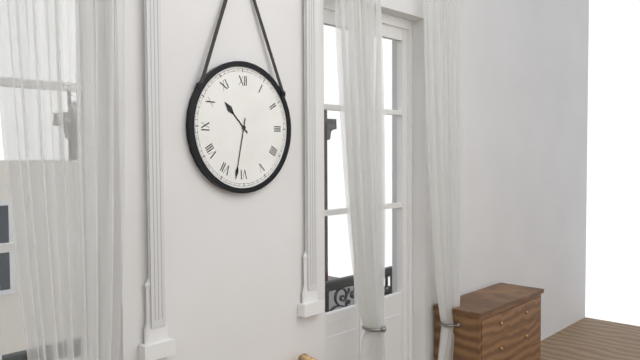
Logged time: {"hour": 10, "minute": 32}
